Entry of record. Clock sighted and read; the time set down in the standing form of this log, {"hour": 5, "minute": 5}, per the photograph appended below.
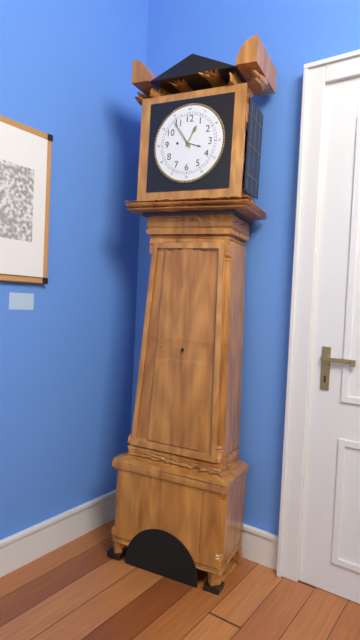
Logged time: {"hour": 12, "minute": 54}
